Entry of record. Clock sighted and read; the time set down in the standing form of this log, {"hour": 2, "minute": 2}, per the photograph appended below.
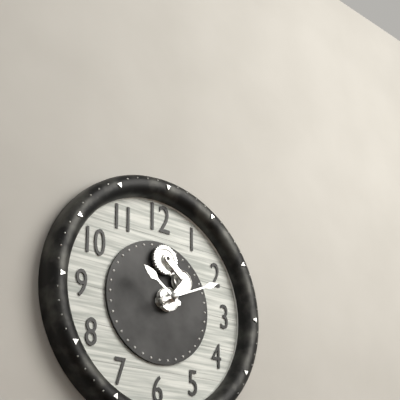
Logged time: {"hour": 10, "minute": 11}
